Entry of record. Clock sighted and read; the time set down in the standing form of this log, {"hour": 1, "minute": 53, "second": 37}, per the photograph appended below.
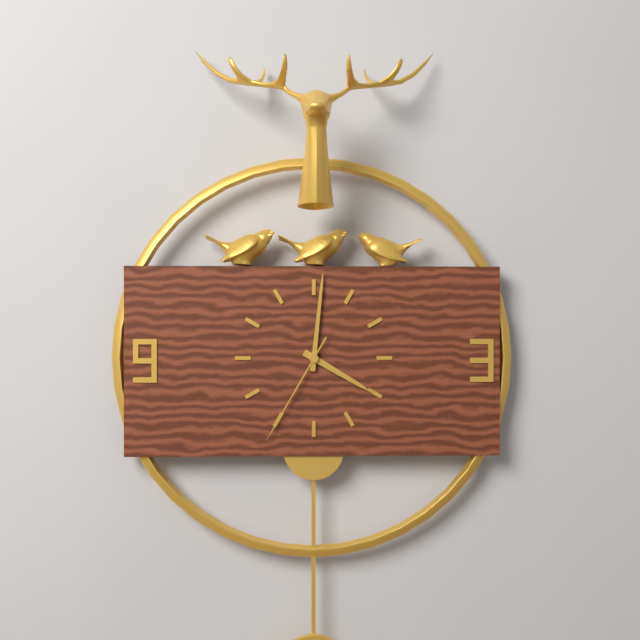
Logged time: {"hour": 4, "minute": 1, "second": 35}
